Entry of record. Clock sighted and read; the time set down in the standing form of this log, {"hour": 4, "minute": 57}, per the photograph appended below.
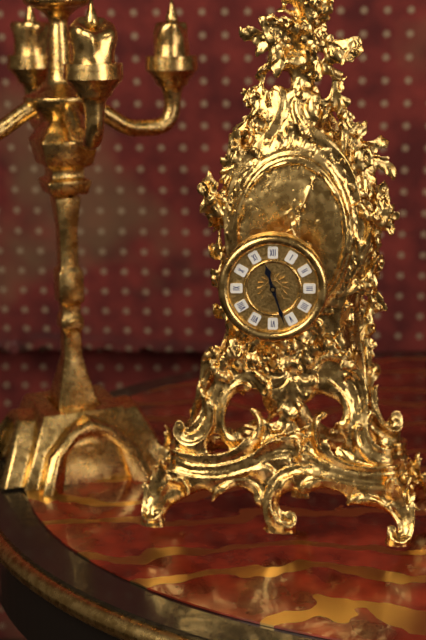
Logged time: {"hour": 11, "minute": 27}
